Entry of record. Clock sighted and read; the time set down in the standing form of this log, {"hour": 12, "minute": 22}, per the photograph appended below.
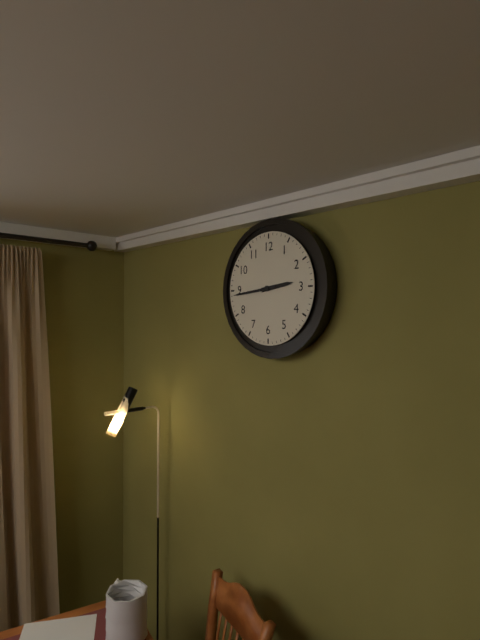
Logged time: {"hour": 2, "minute": 44}
